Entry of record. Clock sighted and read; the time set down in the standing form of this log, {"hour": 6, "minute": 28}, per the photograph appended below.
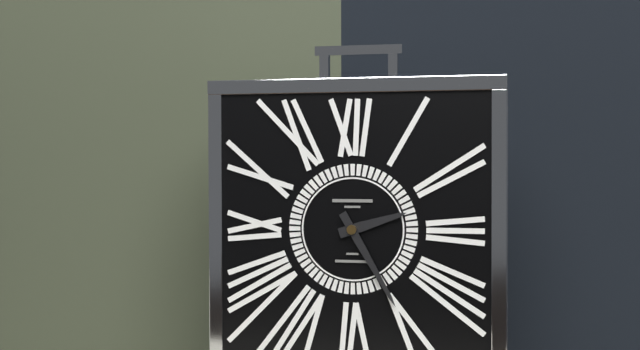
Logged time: {"hour": 2, "minute": 25}
